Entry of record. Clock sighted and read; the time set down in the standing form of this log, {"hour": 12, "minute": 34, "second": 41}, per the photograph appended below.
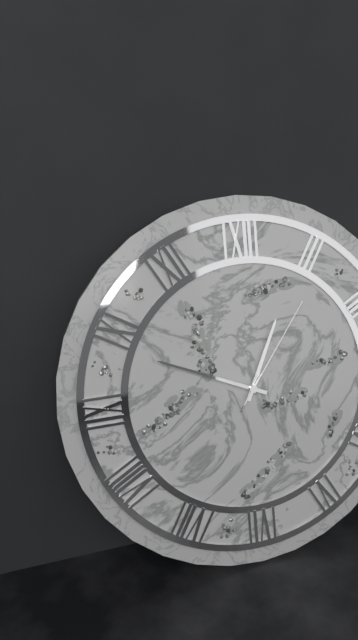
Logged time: {"hour": 12, "minute": 49, "second": 6}
